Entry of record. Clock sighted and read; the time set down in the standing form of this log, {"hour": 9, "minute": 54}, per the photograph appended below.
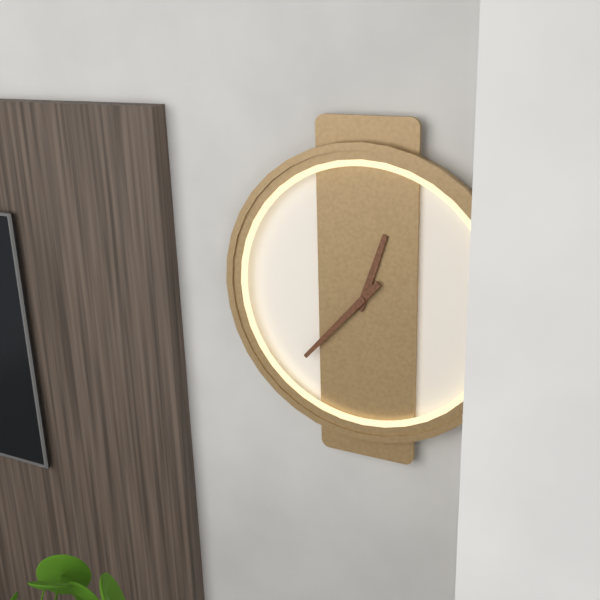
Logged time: {"hour": 12, "minute": 37}
